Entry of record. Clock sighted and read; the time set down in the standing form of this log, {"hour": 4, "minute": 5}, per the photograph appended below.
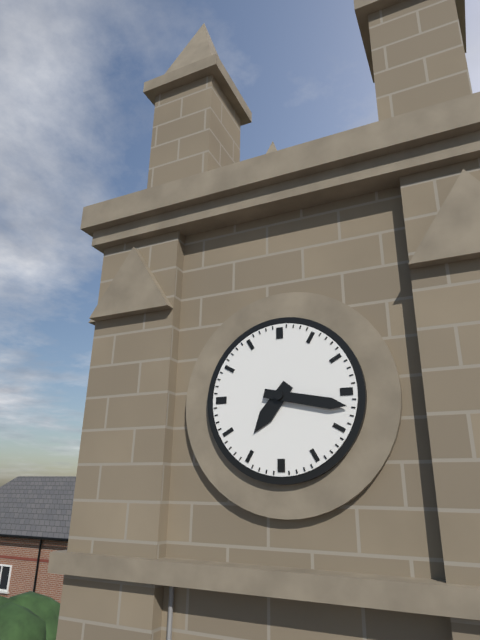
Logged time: {"hour": 7, "minute": 17}
